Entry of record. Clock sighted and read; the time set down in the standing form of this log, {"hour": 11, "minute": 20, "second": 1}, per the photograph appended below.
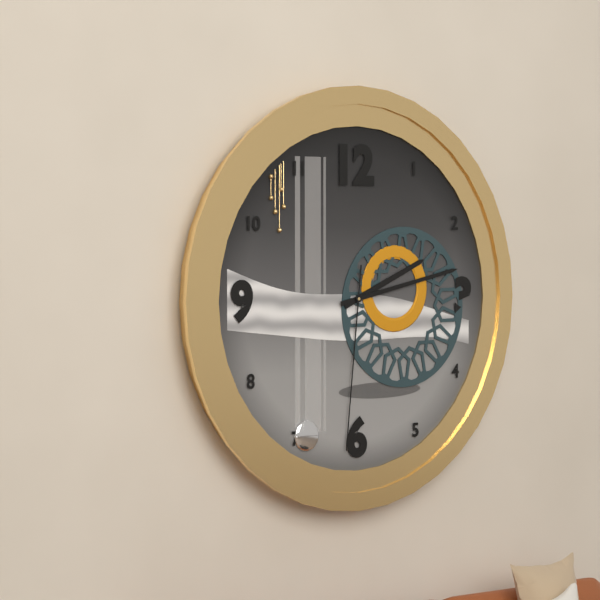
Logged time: {"hour": 2, "minute": 13, "second": 31}
